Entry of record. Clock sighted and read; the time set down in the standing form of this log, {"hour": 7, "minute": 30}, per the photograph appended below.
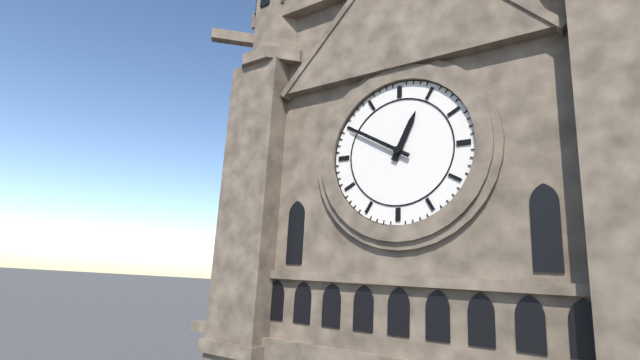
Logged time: {"hour": 12, "minute": 50}
